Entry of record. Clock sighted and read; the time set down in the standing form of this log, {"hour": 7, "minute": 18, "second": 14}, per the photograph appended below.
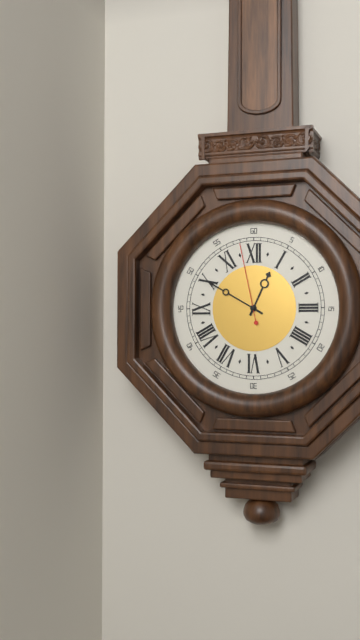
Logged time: {"hour": 12, "minute": 50, "second": 58}
